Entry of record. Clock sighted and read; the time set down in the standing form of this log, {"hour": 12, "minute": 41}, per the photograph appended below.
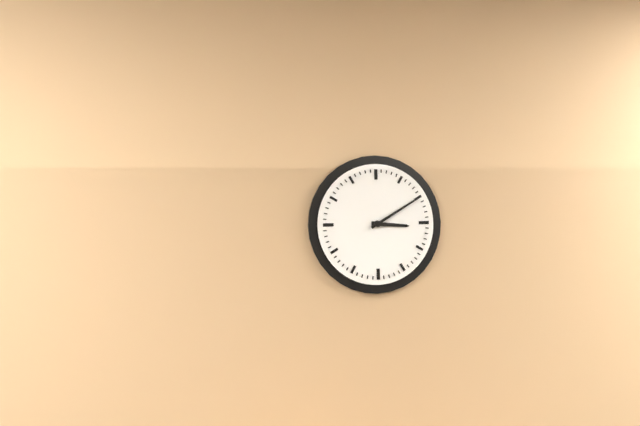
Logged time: {"hour": 3, "minute": 10}
